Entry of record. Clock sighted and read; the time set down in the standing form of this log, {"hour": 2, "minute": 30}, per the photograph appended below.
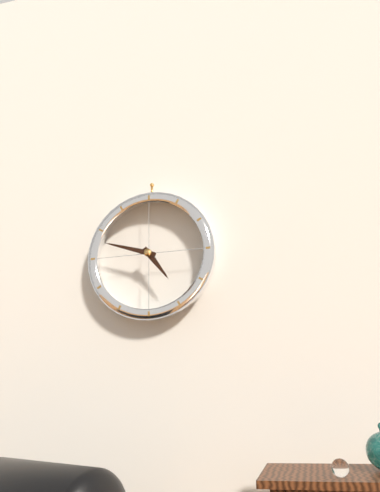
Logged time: {"hour": 4, "minute": 48}
